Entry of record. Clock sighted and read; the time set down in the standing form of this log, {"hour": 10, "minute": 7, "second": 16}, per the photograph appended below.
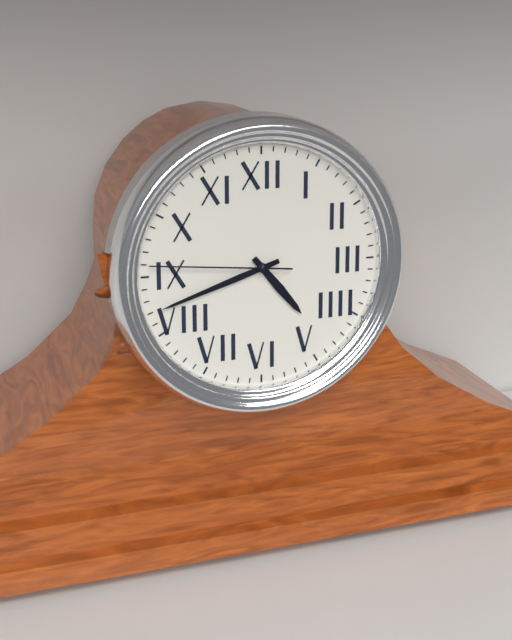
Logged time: {"hour": 4, "minute": 42, "second": 46}
